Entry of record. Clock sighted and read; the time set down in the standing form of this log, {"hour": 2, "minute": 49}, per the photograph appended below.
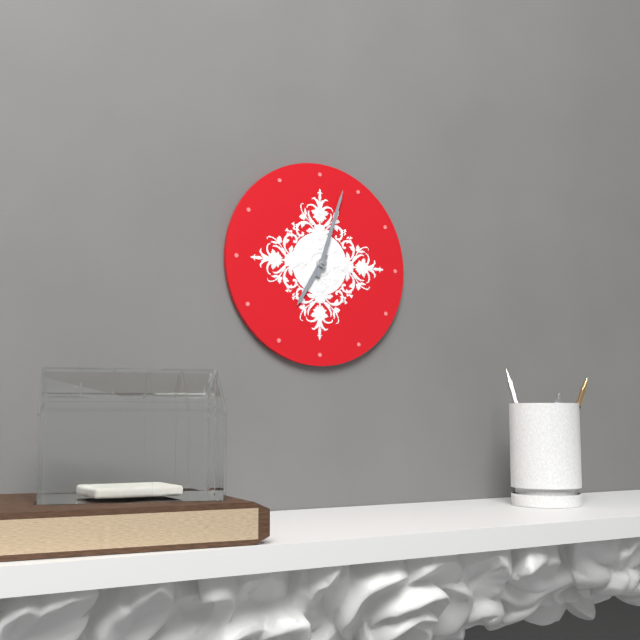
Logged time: {"hour": 7, "minute": 3}
